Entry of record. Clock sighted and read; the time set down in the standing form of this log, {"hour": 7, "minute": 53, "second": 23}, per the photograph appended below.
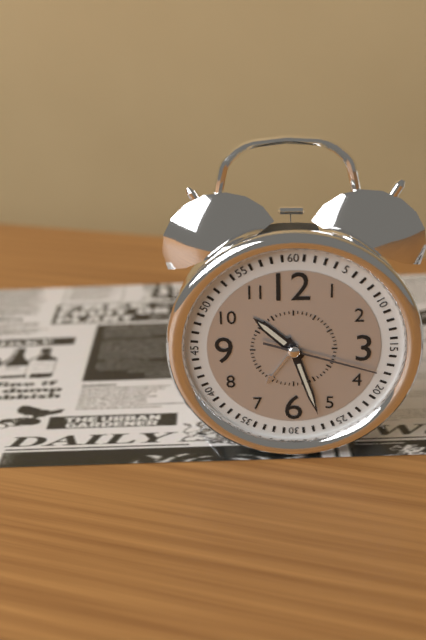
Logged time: {"hour": 10, "minute": 27, "second": 18}
